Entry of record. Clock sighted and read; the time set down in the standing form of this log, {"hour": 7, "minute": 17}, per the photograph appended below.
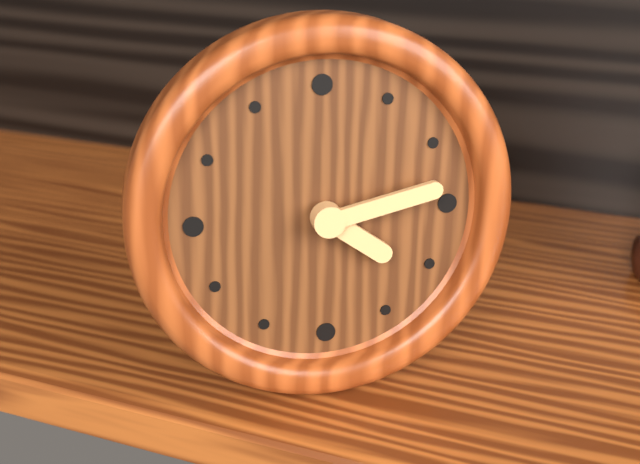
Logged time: {"hour": 4, "minute": 13}
